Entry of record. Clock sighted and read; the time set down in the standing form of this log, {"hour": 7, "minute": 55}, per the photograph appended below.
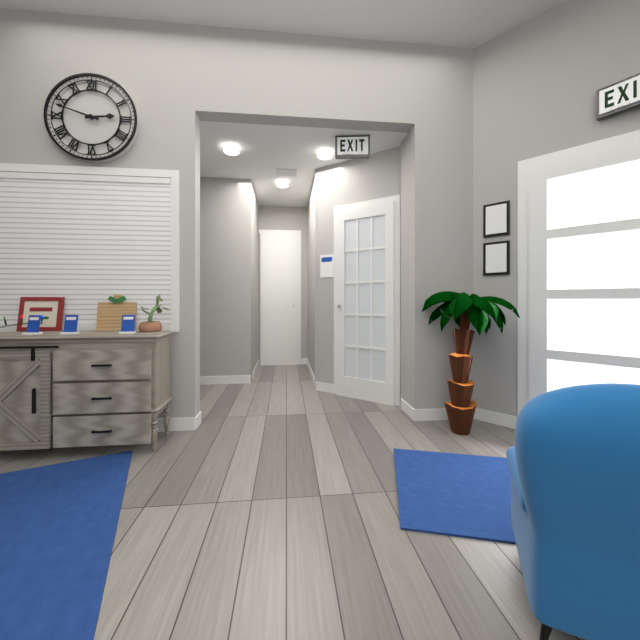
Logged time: {"hour": 2, "minute": 48}
